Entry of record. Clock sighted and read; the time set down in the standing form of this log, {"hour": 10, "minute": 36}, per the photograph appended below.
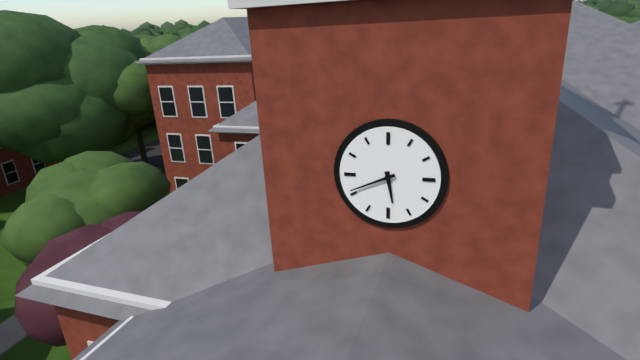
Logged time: {"hour": 5, "minute": 41}
